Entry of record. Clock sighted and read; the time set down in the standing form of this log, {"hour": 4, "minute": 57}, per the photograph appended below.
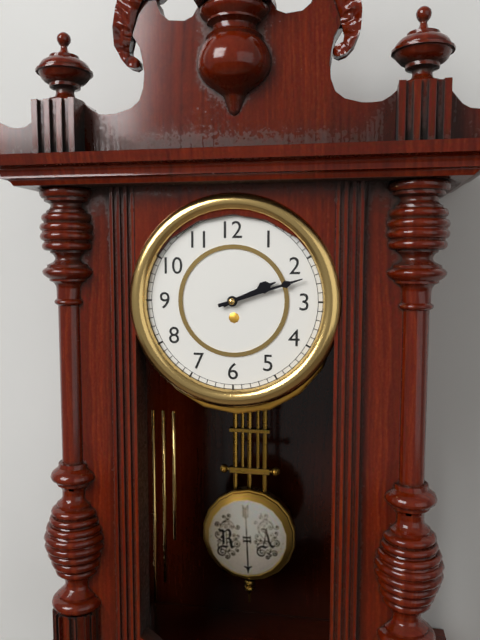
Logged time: {"hour": 2, "minute": 12}
